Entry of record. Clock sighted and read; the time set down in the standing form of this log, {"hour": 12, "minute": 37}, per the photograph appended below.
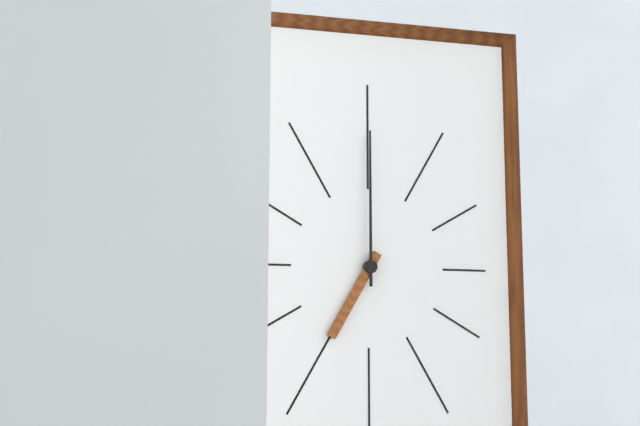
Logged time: {"hour": 7, "minute": 0}
